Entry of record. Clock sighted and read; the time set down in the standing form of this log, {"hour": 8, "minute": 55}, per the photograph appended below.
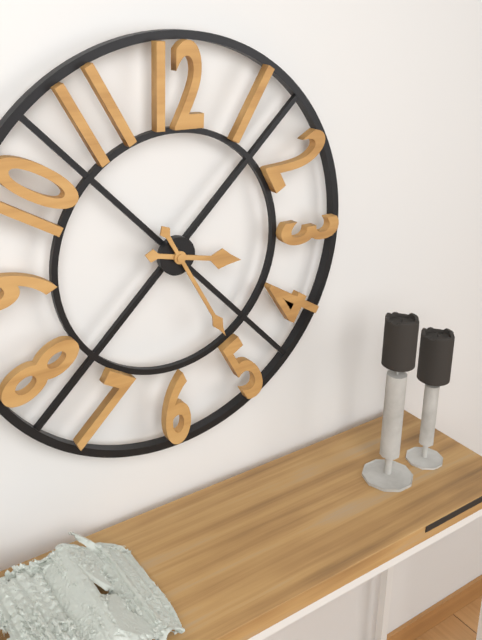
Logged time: {"hour": 3, "minute": 25}
